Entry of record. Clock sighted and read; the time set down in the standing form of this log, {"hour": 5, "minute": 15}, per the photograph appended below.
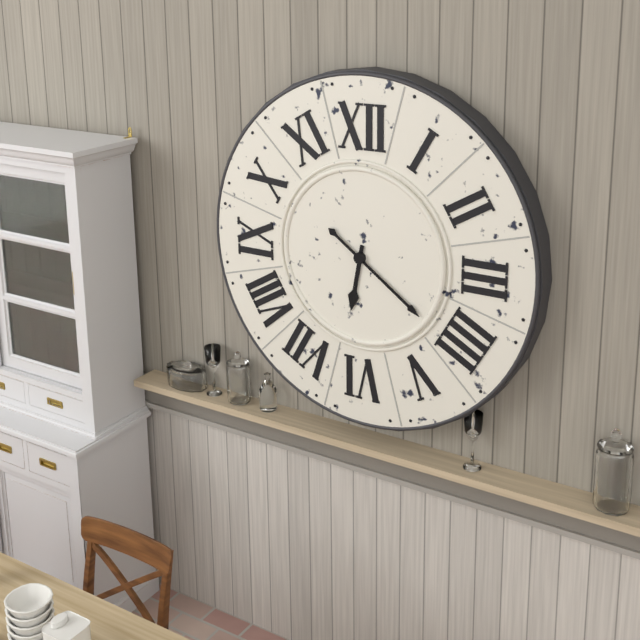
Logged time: {"hour": 6, "minute": 21}
